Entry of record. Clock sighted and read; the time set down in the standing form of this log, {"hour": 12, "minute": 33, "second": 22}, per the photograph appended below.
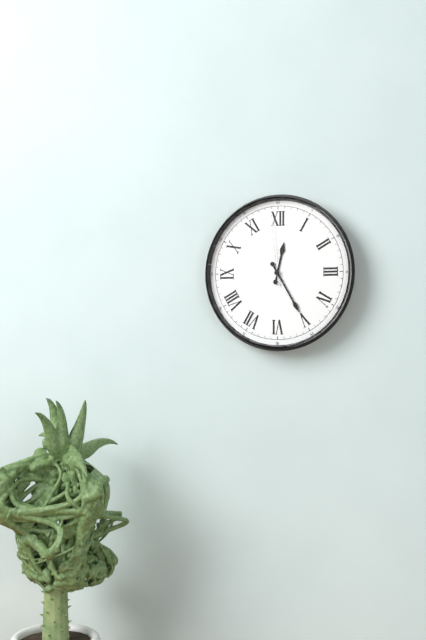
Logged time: {"hour": 12, "minute": 25, "second": 59}
